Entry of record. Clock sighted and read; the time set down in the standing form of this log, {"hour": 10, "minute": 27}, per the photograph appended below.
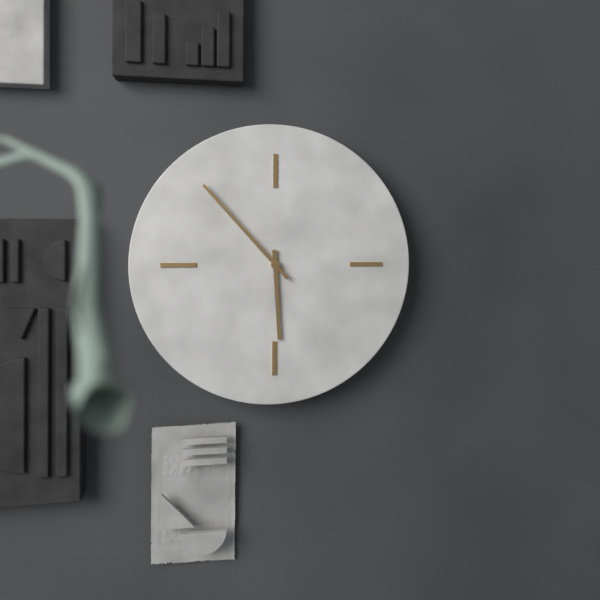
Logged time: {"hour": 5, "minute": 53}
